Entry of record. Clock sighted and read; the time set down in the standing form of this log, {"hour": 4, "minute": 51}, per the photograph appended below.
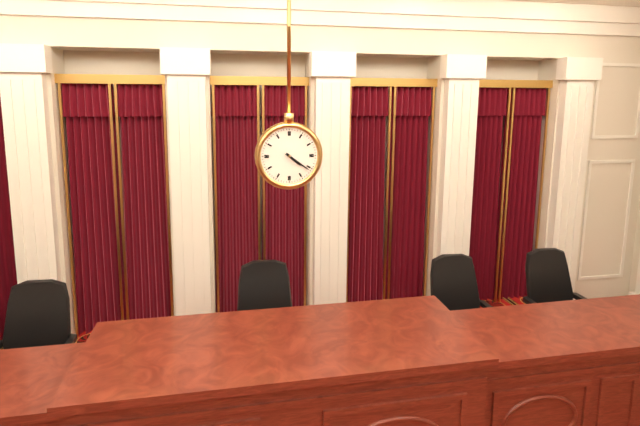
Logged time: {"hour": 4, "minute": 21}
